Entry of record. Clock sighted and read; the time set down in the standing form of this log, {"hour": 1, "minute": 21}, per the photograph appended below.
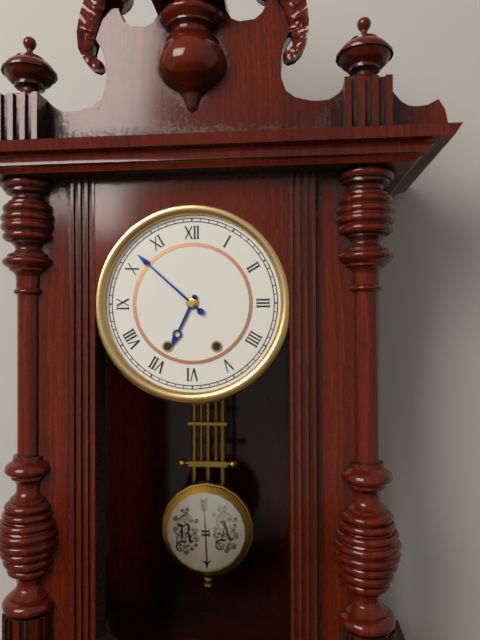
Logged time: {"hour": 6, "minute": 52}
